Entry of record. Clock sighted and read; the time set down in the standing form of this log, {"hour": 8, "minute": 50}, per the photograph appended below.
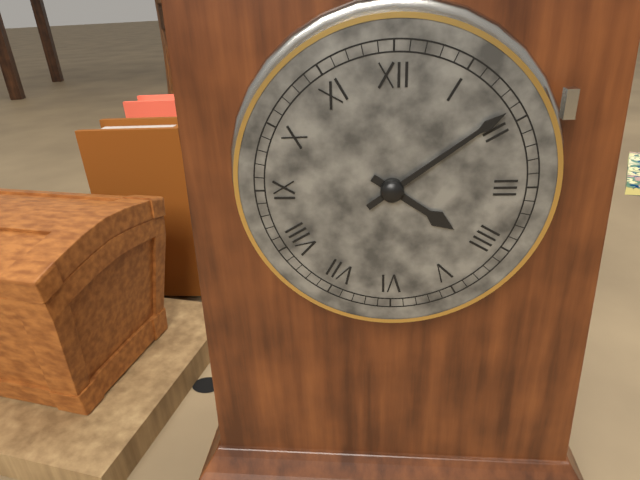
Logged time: {"hour": 4, "minute": 9}
